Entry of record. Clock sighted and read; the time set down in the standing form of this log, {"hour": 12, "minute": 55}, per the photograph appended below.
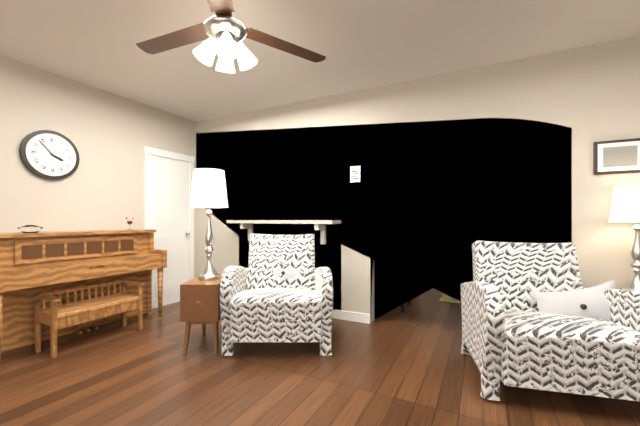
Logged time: {"hour": 3, "minute": 53}
